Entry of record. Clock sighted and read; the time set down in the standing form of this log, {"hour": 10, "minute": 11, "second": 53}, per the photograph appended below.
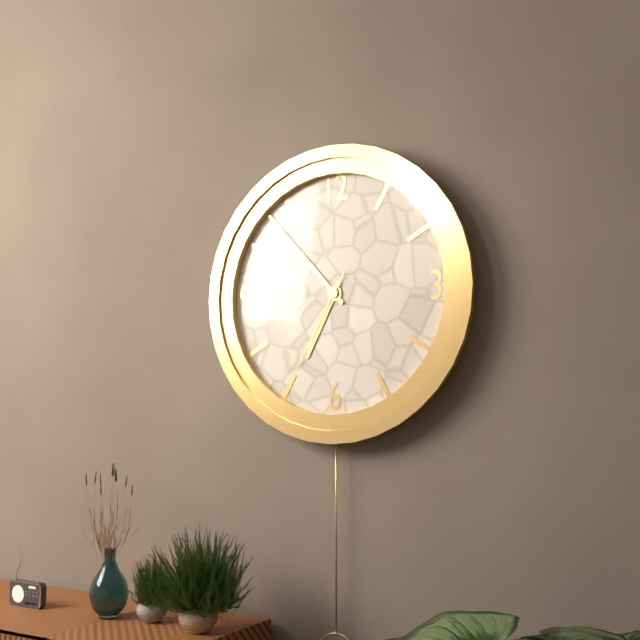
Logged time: {"hour": 6, "minute": 53, "second": 35}
